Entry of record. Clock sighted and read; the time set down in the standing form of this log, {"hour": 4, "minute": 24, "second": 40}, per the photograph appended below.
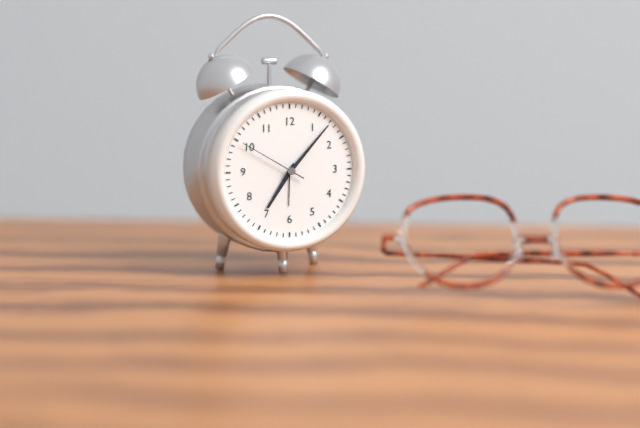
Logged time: {"hour": 7, "minute": 7, "second": 50}
